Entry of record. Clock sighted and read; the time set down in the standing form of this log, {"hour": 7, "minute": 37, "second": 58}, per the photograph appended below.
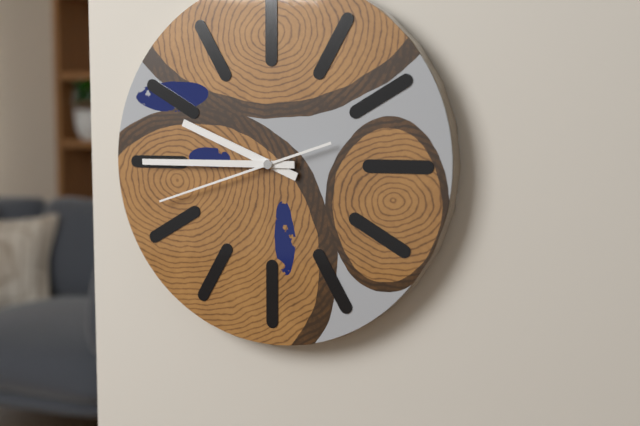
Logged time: {"hour": 9, "minute": 45, "second": 42}
